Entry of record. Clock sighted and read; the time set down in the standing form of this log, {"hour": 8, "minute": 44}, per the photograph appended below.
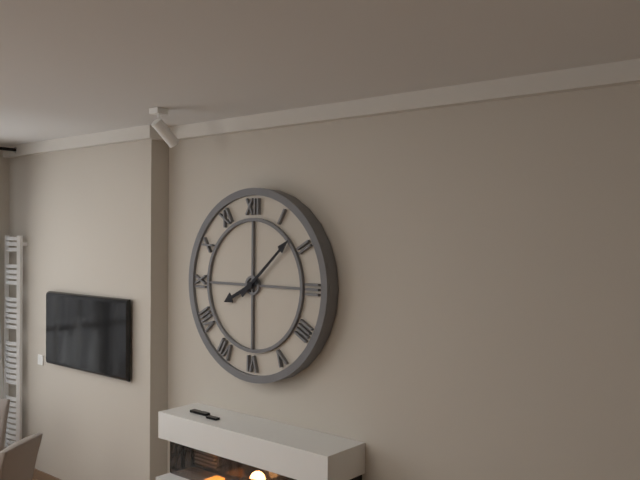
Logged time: {"hour": 8, "minute": 8}
